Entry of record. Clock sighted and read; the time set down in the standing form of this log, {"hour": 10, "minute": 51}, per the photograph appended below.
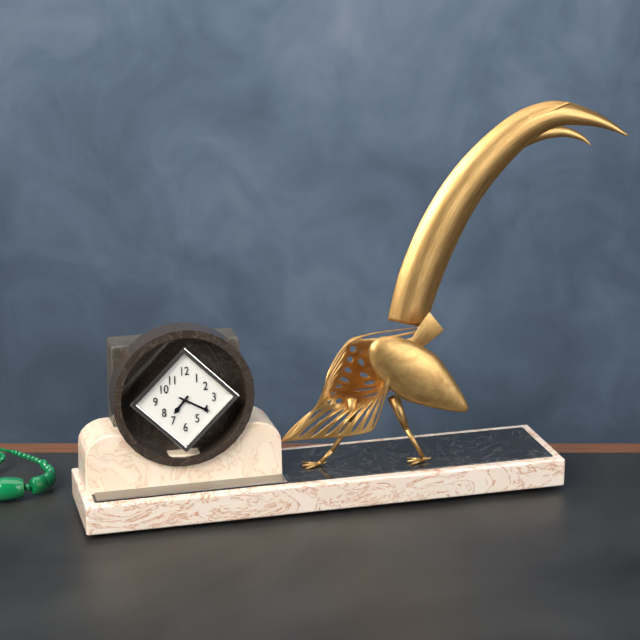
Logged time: {"hour": 7, "minute": 20}
